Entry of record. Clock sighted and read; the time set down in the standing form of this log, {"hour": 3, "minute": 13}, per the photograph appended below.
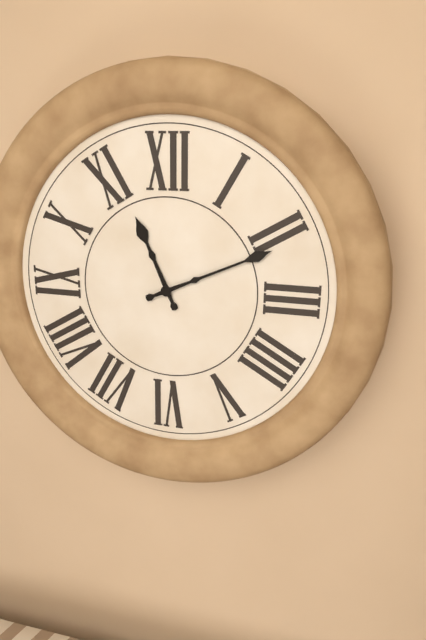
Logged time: {"hour": 11, "minute": 11}
